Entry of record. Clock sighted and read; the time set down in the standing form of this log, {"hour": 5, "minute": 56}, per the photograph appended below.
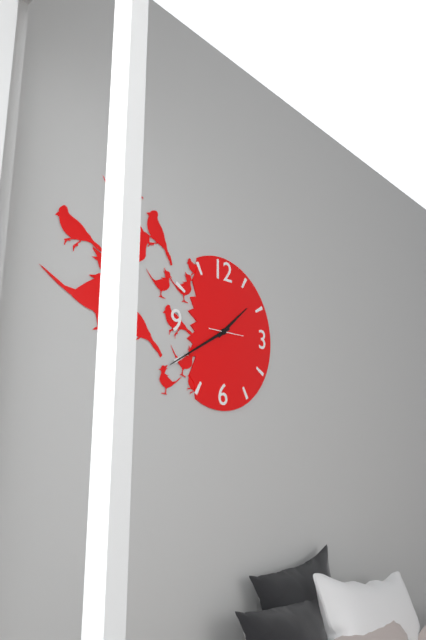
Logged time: {"hour": 1, "minute": 40}
